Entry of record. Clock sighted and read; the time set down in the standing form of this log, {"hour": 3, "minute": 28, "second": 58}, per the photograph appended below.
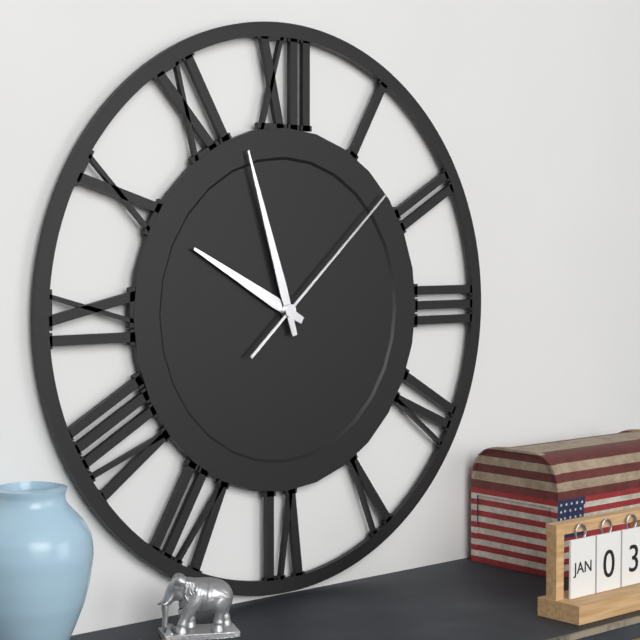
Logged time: {"hour": 9, "minute": 57, "second": 8}
